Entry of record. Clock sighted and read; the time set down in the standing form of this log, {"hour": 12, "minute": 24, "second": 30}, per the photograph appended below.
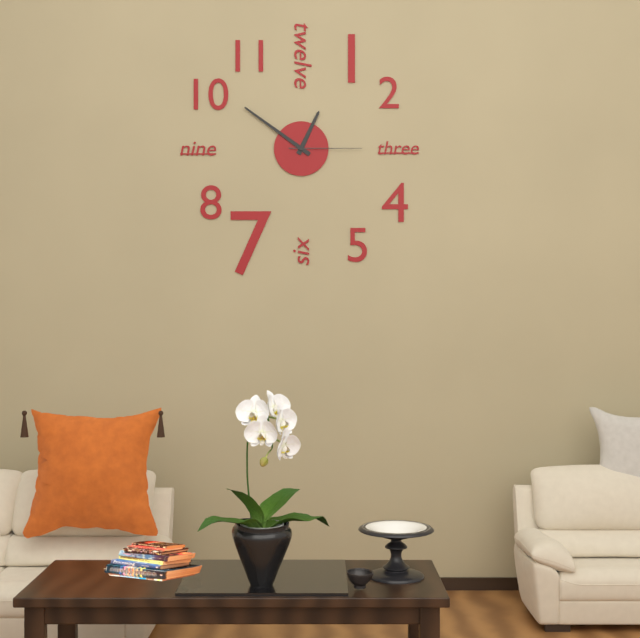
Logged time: {"hour": 12, "minute": 51, "second": 15}
